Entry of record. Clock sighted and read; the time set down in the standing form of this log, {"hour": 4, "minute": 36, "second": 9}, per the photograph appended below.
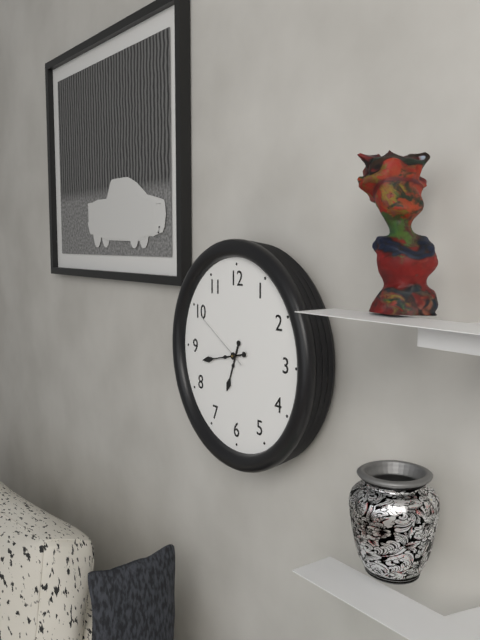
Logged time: {"hour": 6, "minute": 43, "second": 50}
